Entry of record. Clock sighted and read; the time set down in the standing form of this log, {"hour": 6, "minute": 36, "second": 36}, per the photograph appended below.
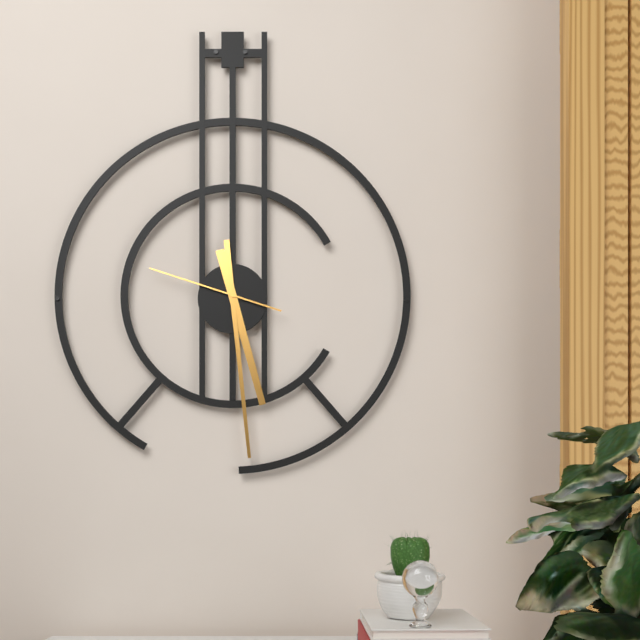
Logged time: {"hour": 5, "minute": 29, "second": 48}
